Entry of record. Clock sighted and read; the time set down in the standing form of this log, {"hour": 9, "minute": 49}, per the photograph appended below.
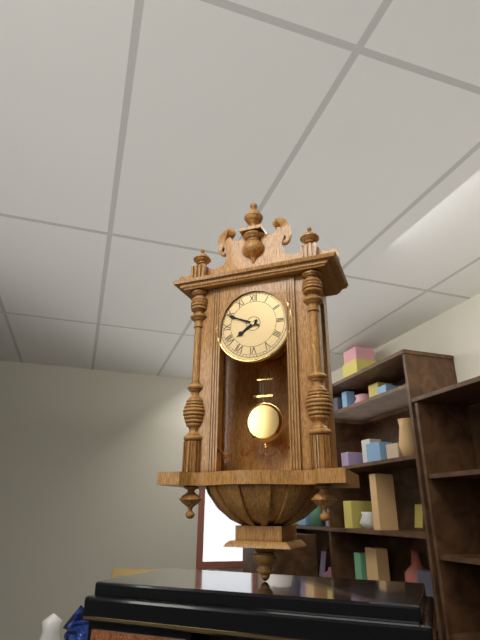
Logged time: {"hour": 7, "minute": 49}
